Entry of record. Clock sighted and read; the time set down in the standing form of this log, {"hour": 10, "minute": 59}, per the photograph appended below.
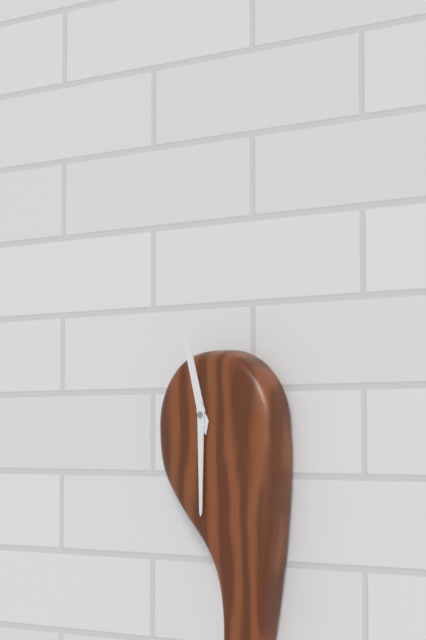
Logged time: {"hour": 11, "minute": 30}
